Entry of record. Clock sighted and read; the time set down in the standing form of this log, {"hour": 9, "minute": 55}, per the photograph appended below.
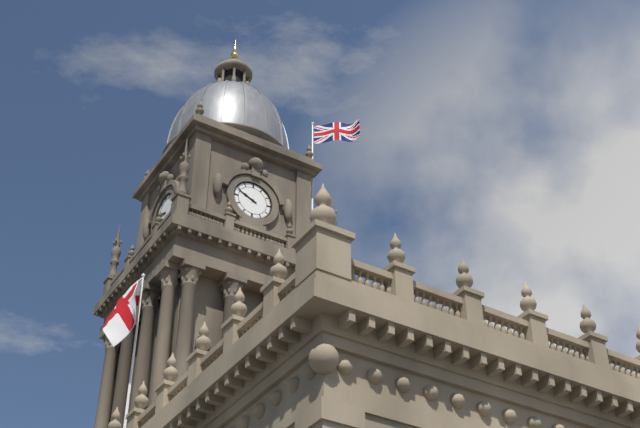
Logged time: {"hour": 9, "minute": 49}
